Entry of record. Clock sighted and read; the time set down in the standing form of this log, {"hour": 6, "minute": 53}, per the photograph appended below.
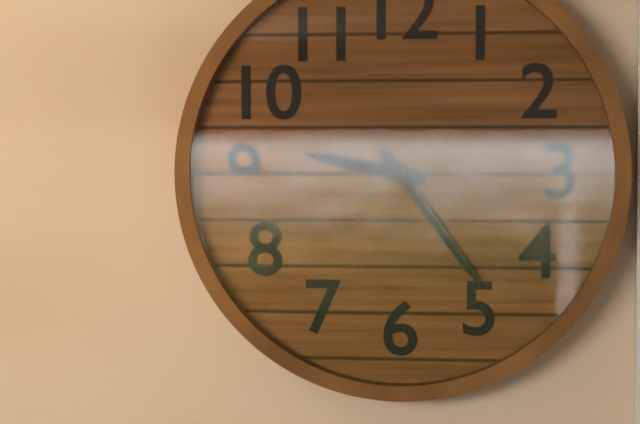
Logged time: {"hour": 9, "minute": 24}
